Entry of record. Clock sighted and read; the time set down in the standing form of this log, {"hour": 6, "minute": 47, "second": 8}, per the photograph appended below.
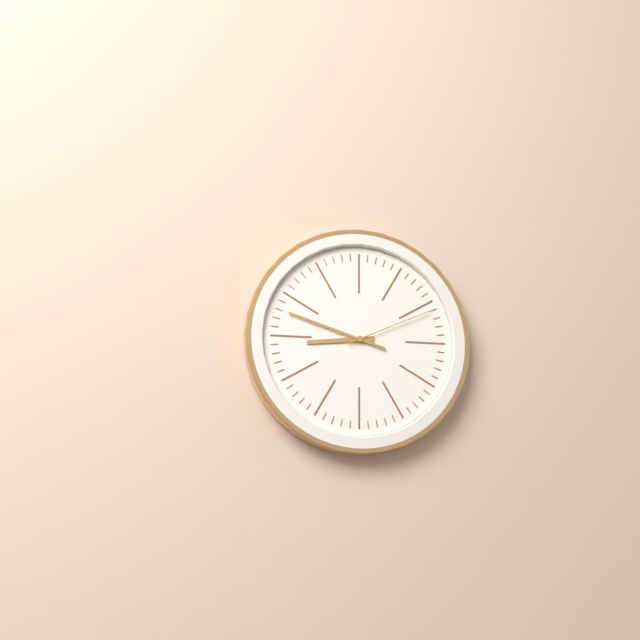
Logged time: {"hour": 8, "minute": 48, "second": 11}
